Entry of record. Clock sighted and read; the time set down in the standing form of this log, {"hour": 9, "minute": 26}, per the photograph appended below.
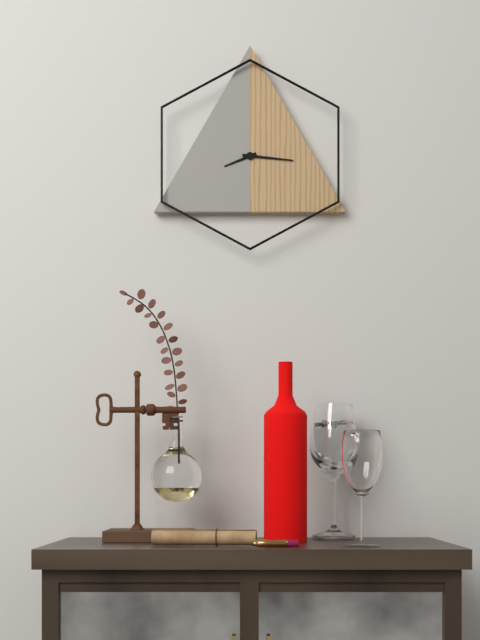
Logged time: {"hour": 8, "minute": 16}
